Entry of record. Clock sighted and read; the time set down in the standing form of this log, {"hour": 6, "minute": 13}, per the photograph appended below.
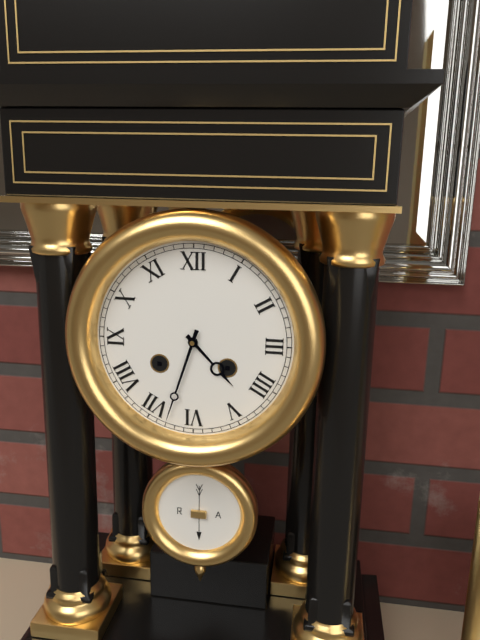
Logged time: {"hour": 4, "minute": 33}
